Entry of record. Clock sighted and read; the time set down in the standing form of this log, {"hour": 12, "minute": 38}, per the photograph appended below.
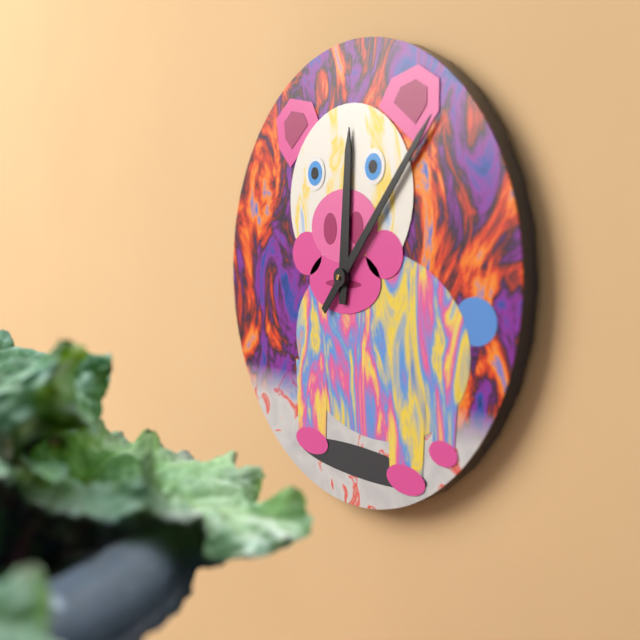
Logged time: {"hour": 12, "minute": 7}
